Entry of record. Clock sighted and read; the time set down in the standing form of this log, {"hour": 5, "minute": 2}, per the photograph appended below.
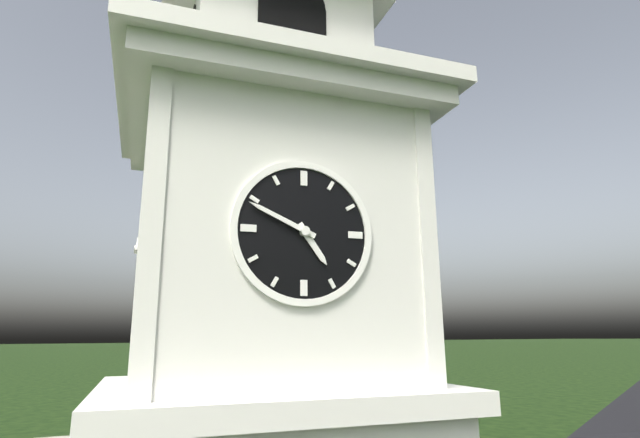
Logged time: {"hour": 4, "minute": 49}
